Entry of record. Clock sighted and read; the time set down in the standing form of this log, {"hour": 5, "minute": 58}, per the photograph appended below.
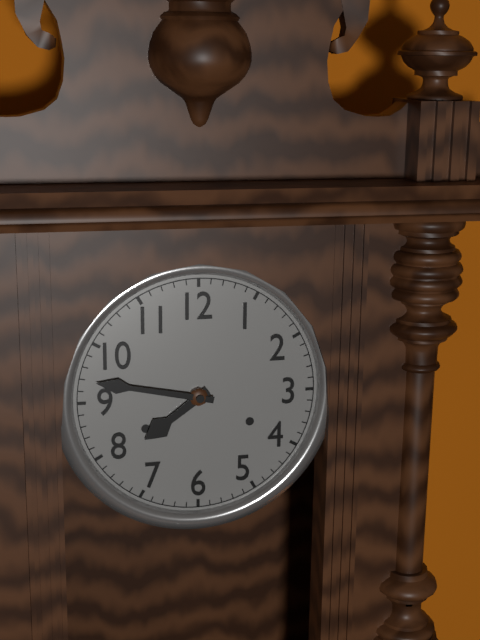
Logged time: {"hour": 7, "minute": 47}
